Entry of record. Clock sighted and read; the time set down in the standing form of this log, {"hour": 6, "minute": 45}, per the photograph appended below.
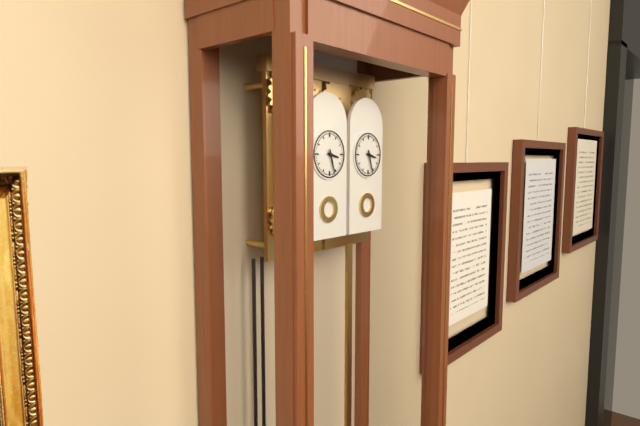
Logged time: {"hour": 3, "minute": 27}
